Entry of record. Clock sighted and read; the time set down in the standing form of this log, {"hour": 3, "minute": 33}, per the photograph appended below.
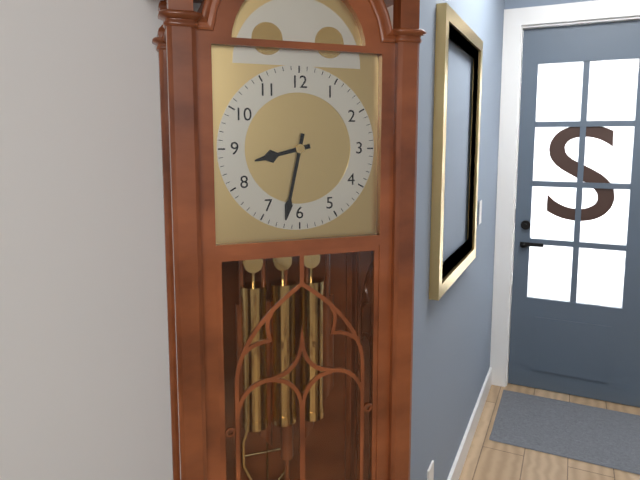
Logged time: {"hour": 8, "minute": 32}
